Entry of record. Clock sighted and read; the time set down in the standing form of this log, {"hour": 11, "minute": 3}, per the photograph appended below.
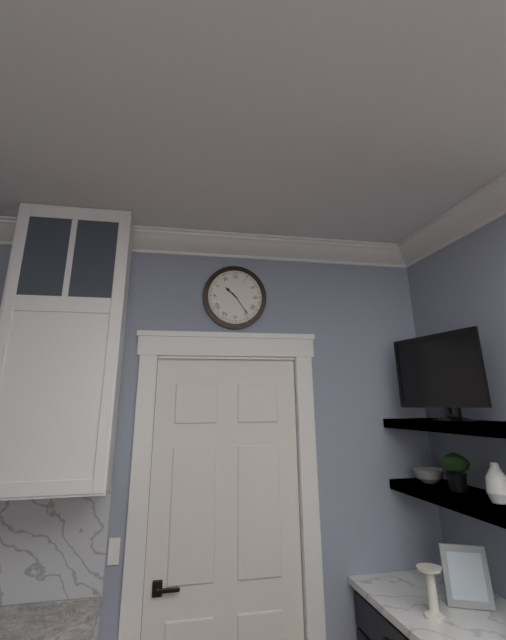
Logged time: {"hour": 10, "minute": 24}
